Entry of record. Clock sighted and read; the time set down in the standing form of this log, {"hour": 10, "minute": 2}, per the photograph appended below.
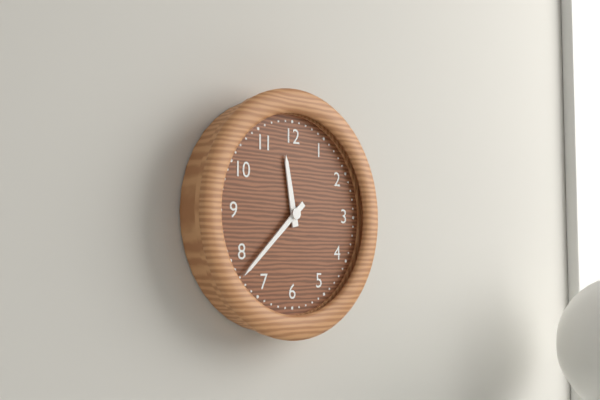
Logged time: {"hour": 11, "minute": 38}
